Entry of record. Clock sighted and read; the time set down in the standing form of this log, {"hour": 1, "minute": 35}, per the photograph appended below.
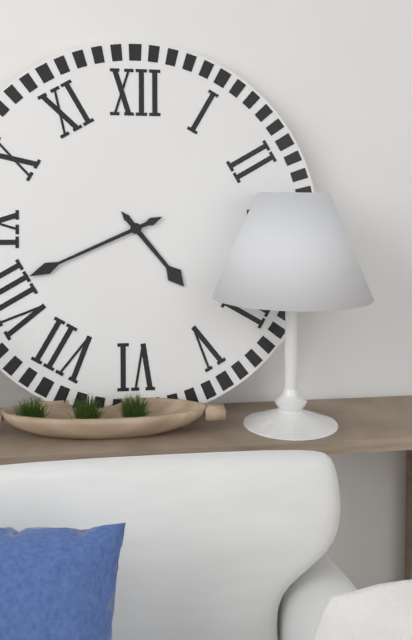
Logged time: {"hour": 4, "minute": 41}
